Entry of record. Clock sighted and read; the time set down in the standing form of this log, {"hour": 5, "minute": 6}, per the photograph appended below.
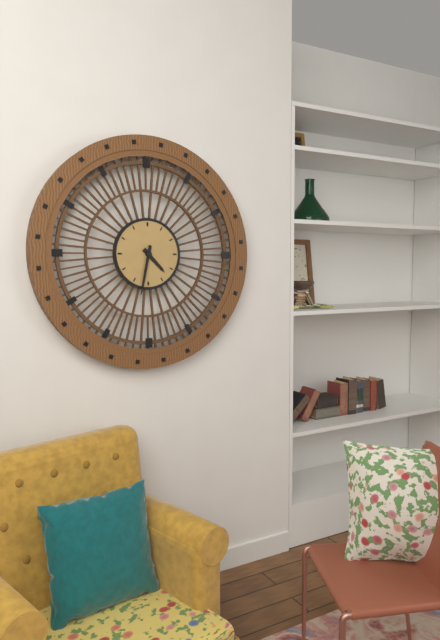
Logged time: {"hour": 4, "minute": 32}
